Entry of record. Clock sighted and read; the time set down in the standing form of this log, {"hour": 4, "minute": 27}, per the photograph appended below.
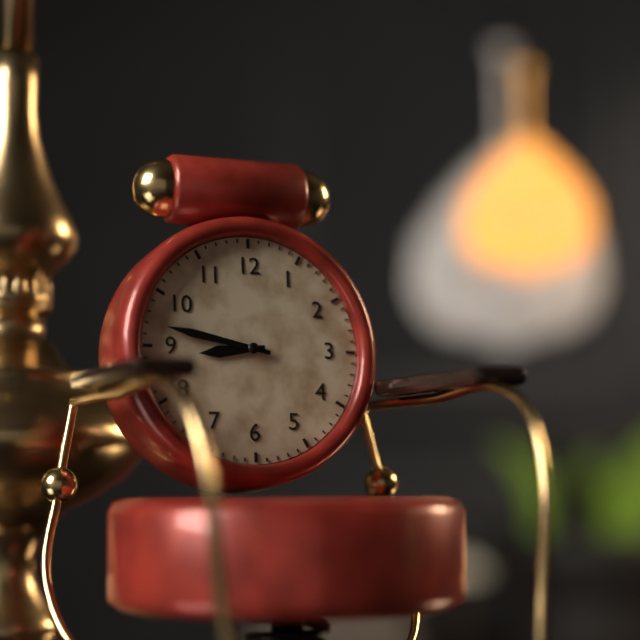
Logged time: {"hour": 8, "minute": 47}
